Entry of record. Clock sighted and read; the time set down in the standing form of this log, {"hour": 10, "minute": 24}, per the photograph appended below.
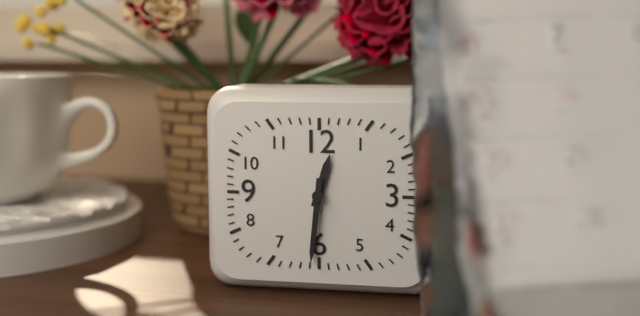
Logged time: {"hour": 12, "minute": 31}
